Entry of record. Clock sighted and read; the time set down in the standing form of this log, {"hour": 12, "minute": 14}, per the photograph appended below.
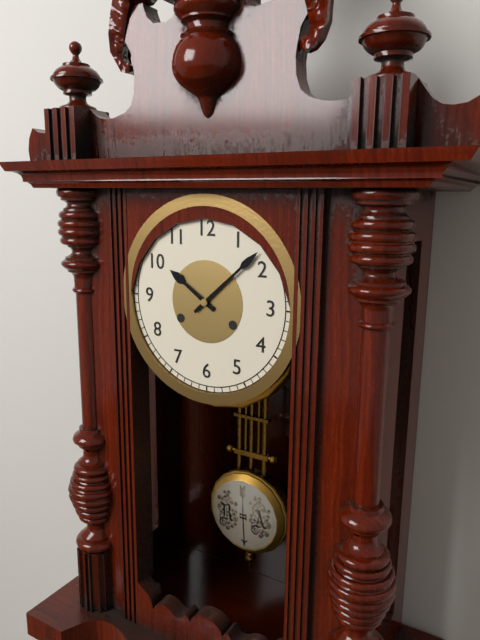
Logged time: {"hour": 10, "minute": 8}
